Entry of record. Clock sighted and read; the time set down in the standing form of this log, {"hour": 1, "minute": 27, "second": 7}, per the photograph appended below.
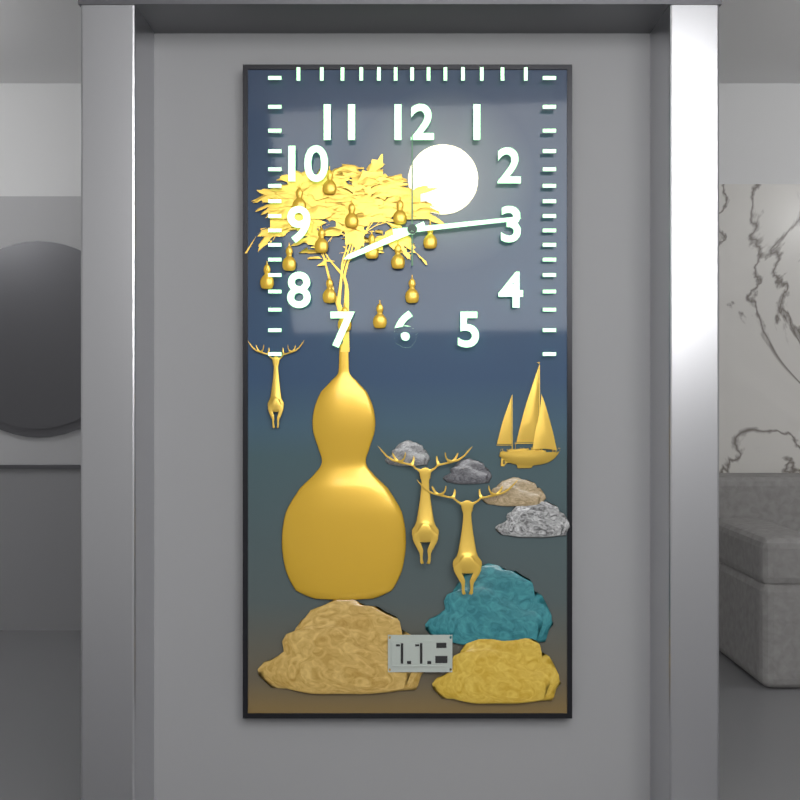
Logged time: {"hour": 8, "minute": 14, "second": 0}
